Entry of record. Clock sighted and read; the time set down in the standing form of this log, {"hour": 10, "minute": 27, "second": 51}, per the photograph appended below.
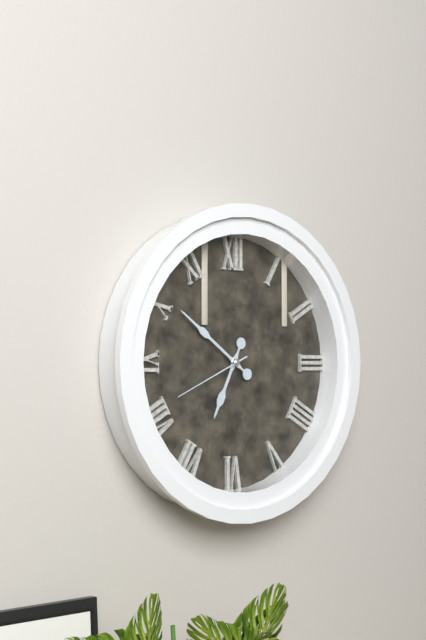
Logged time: {"hour": 6, "minute": 51, "second": 41}
